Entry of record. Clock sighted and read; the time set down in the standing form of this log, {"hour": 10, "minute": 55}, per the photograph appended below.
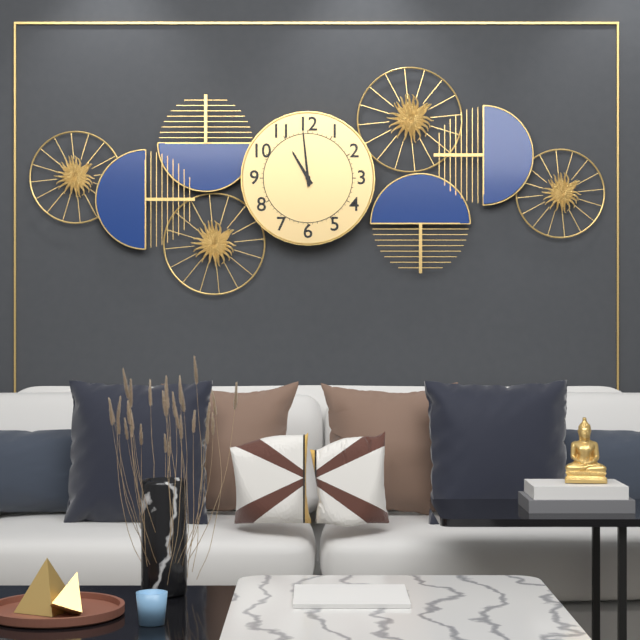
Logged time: {"hour": 10, "minute": 59}
